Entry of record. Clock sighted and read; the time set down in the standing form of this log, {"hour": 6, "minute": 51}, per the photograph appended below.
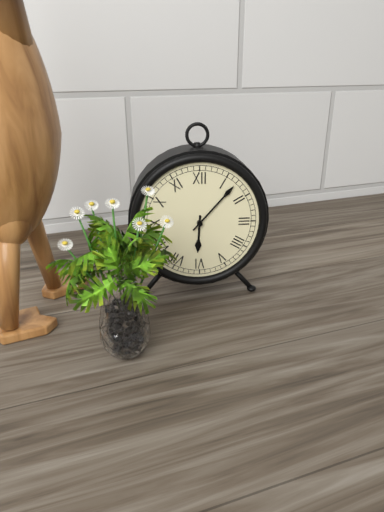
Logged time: {"hour": 6, "minute": 7}
